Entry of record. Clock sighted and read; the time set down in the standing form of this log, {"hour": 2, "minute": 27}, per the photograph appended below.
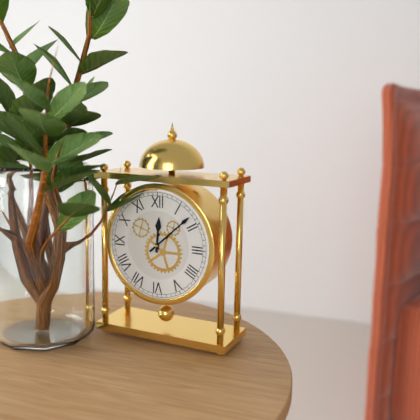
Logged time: {"hour": 12, "minute": 8}
